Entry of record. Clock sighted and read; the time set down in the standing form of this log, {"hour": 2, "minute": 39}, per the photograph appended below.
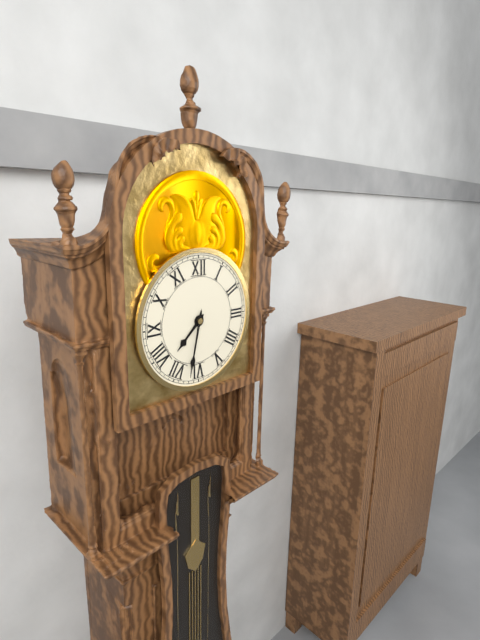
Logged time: {"hour": 7, "minute": 32}
